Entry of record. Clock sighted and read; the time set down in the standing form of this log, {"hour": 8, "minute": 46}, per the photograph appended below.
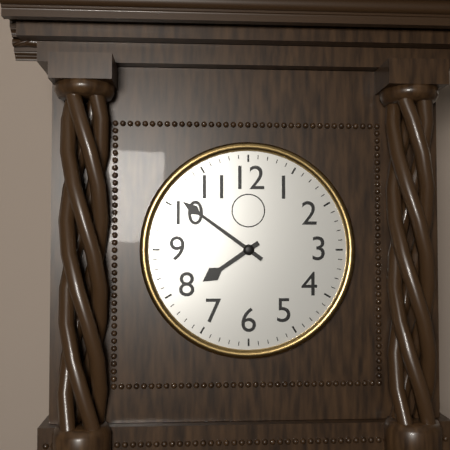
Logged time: {"hour": 7, "minute": 51}
